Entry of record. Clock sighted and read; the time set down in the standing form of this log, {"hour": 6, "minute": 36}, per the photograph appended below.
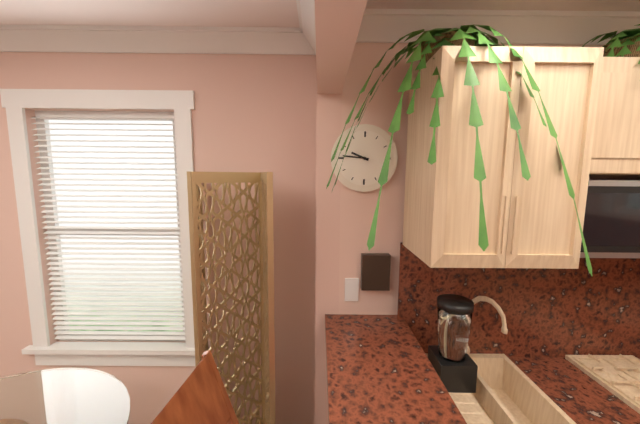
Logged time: {"hour": 9, "minute": 46}
